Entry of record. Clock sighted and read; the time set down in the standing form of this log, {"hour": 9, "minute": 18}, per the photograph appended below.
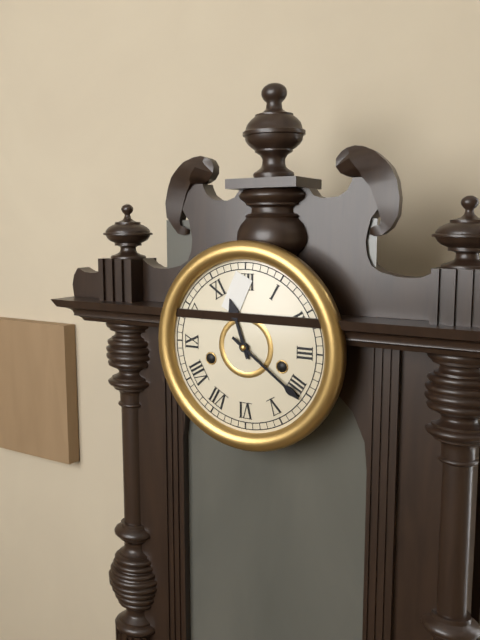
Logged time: {"hour": 11, "minute": 21}
